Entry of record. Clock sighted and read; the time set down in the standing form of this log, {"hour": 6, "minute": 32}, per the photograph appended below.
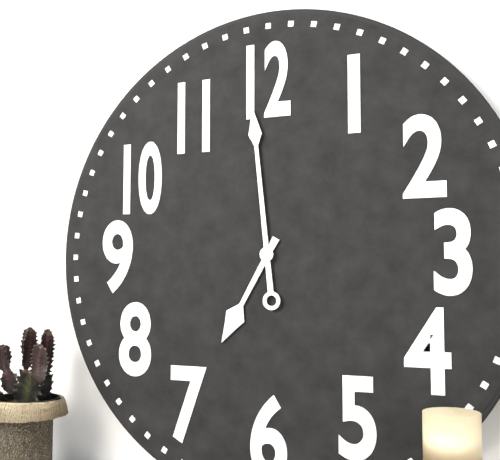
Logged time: {"hour": 6, "minute": 59}
